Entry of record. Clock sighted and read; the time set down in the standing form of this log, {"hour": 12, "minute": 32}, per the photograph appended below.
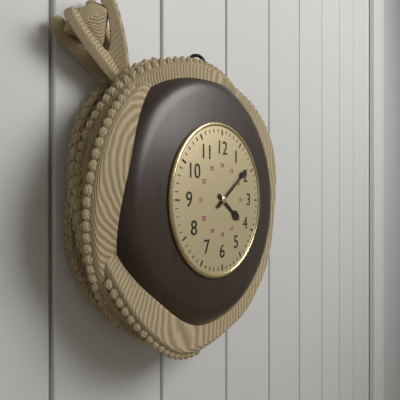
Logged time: {"hour": 4, "minute": 9}
